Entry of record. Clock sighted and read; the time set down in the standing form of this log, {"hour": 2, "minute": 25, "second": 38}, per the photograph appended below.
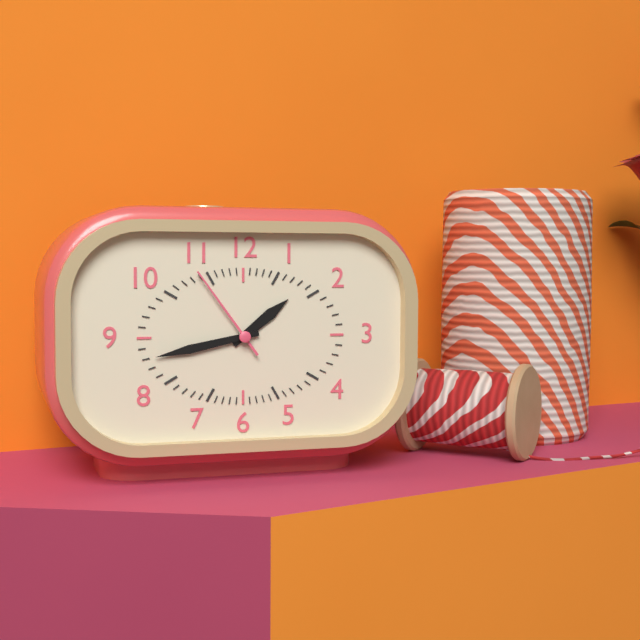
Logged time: {"hour": 1, "minute": 43, "second": 54}
